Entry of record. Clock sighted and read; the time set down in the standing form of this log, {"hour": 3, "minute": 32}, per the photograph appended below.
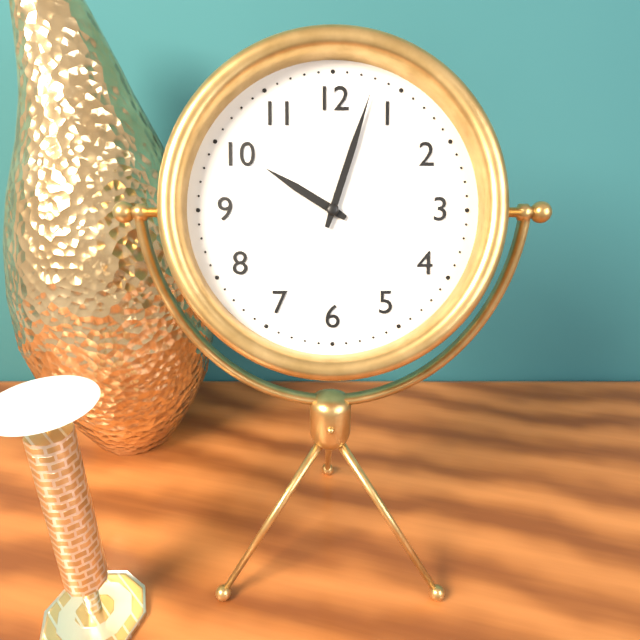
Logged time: {"hour": 10, "minute": 3}
